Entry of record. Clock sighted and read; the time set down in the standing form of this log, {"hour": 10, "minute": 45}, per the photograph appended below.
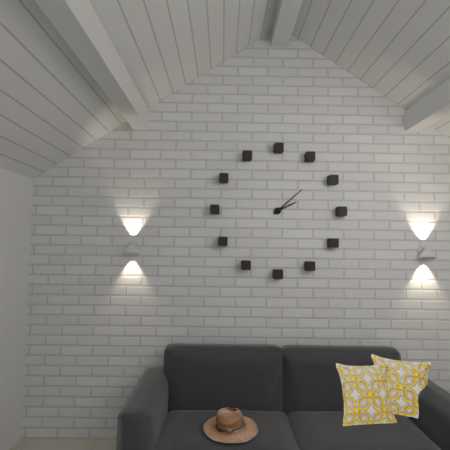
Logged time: {"hour": 2, "minute": 8}
